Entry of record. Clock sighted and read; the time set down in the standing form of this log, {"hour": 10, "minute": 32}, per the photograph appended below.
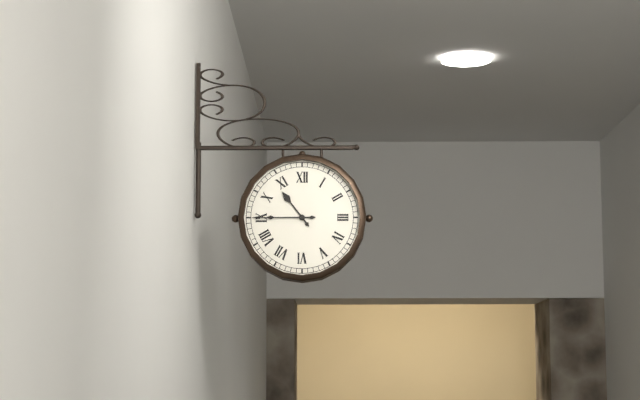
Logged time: {"hour": 10, "minute": 45}
